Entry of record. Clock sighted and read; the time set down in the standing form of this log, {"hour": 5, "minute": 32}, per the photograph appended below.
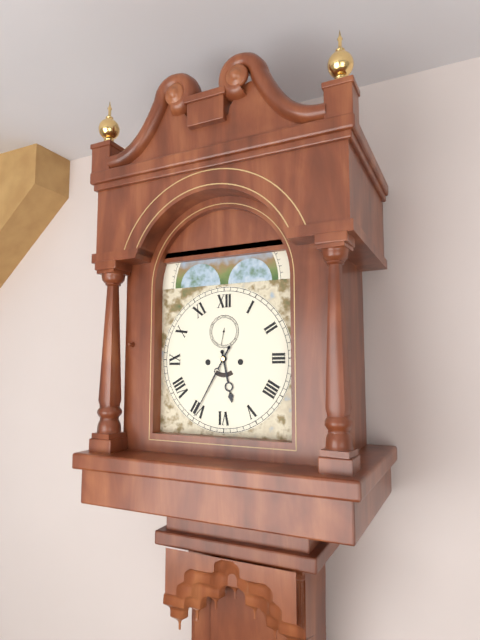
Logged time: {"hour": 5, "minute": 35}
